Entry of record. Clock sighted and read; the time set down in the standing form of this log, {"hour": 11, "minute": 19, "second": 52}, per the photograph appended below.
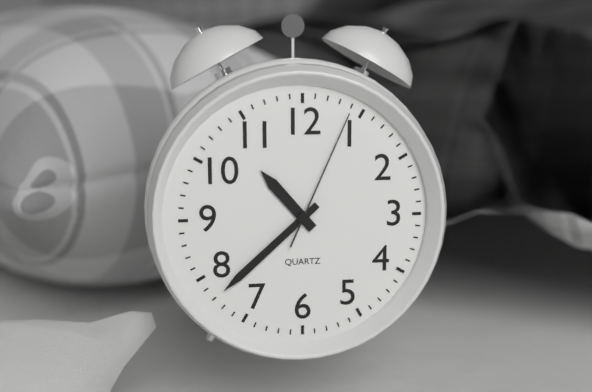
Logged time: {"hour": 10, "minute": 38, "second": 4}
